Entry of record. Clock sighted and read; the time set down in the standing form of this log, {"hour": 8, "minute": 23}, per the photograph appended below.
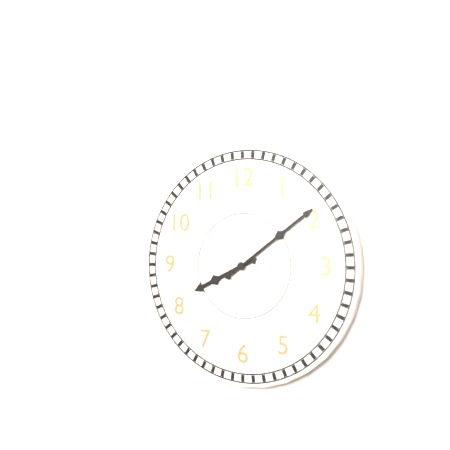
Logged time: {"hour": 8, "minute": 9}
